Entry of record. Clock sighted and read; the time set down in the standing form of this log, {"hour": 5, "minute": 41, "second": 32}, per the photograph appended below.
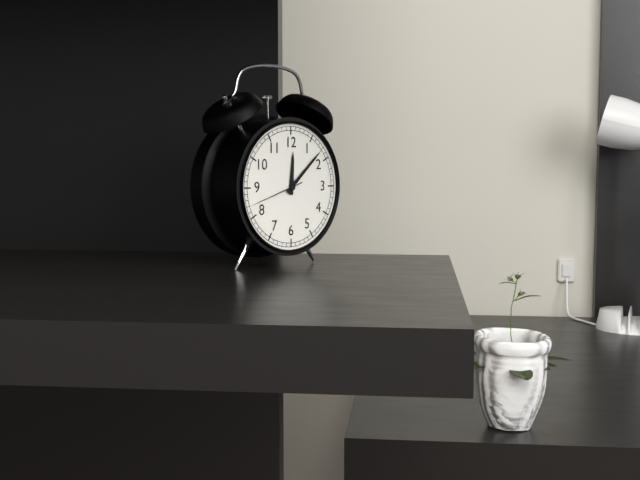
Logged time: {"hour": 12, "minute": 8, "second": 42}
